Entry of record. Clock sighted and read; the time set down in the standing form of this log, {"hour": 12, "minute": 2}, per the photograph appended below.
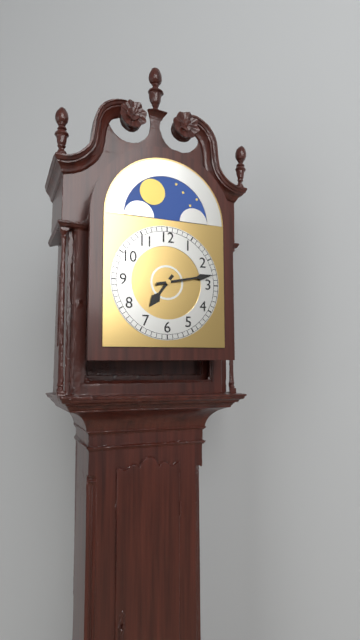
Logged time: {"hour": 7, "minute": 13}
